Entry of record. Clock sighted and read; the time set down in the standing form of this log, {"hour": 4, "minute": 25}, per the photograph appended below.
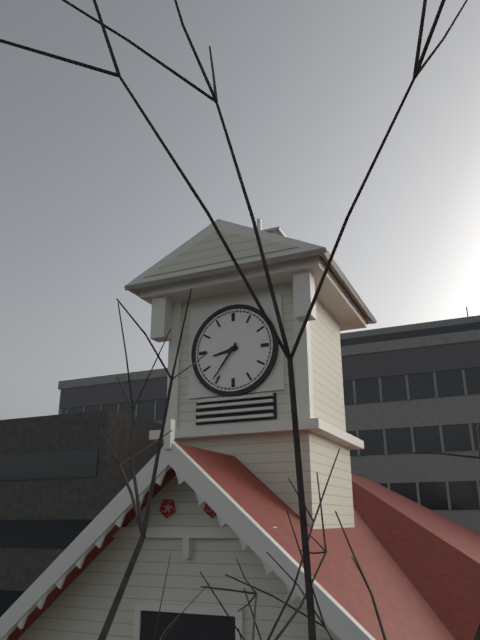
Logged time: {"hour": 8, "minute": 36}
